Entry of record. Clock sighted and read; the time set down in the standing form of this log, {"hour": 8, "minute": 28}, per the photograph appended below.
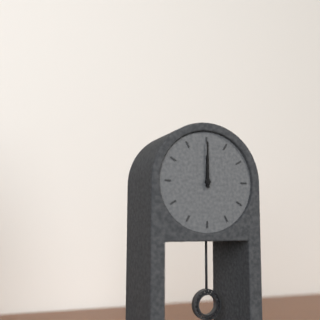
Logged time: {"hour": 12, "minute": 0}
